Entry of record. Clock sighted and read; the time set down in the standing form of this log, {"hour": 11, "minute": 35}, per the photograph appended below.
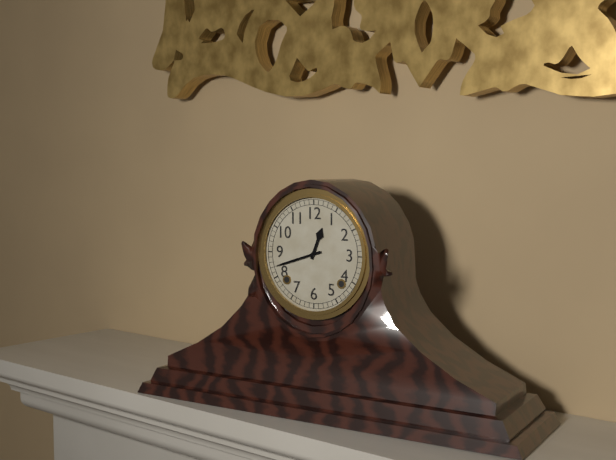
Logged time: {"hour": 12, "minute": 42}
